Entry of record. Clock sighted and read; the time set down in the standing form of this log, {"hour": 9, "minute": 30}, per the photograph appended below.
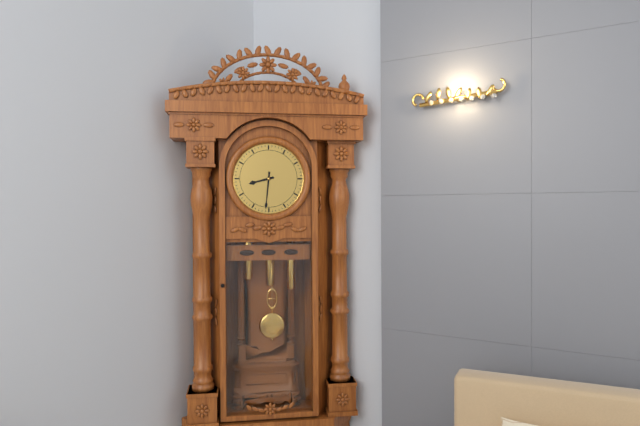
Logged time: {"hour": 8, "minute": 31}
